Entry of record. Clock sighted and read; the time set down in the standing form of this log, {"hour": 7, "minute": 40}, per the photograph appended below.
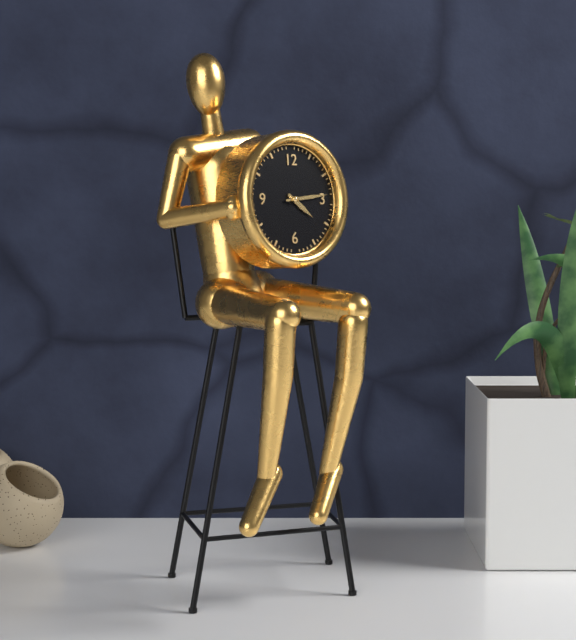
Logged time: {"hour": 4, "minute": 14}
